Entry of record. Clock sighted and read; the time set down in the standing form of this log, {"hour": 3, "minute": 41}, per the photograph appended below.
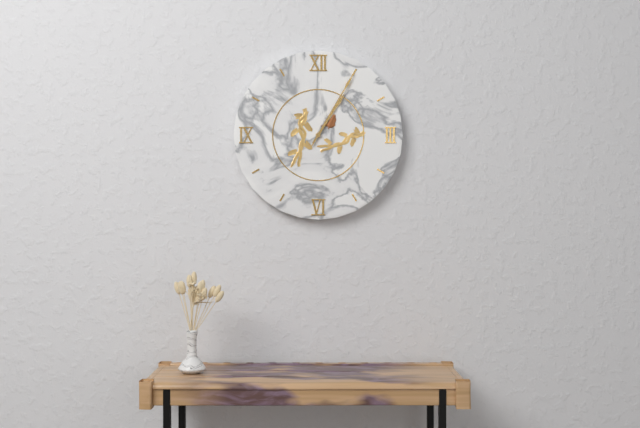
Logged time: {"hour": 1, "minute": 5}
